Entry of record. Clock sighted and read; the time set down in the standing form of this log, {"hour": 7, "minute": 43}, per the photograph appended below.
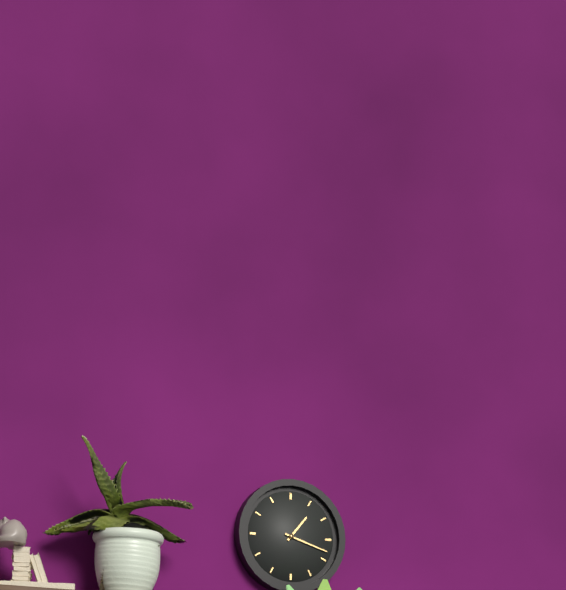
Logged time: {"hour": 1, "minute": 18}
